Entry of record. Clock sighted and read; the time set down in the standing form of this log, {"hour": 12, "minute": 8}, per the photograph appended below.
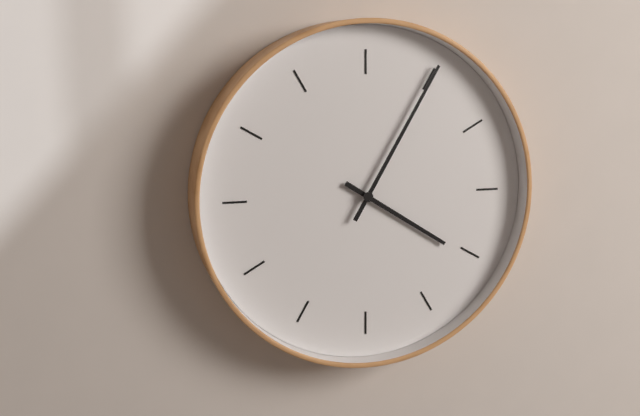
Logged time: {"hour": 4, "minute": 5}
